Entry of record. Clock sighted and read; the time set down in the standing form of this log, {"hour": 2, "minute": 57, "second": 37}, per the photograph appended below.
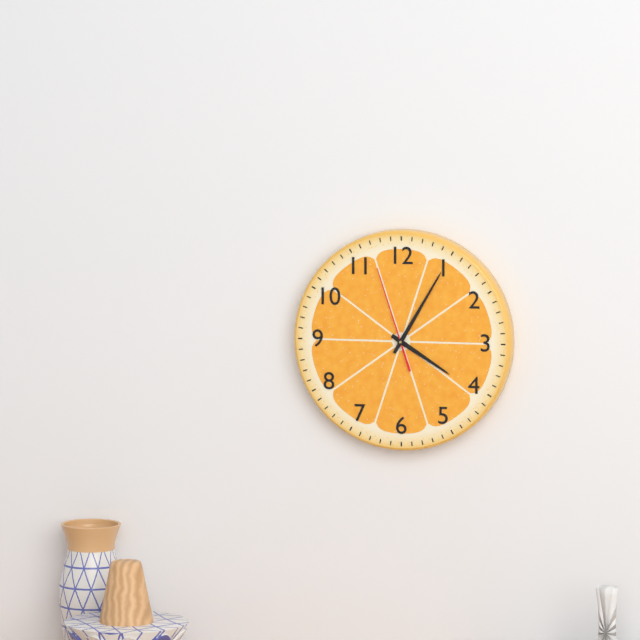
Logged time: {"hour": 4, "minute": 5, "second": 57}
